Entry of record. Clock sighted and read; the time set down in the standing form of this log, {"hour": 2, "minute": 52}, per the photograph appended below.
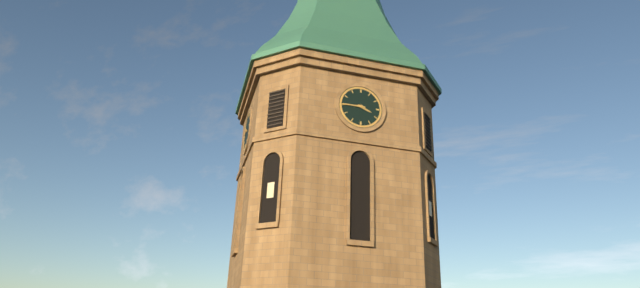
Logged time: {"hour": 3, "minute": 45}
